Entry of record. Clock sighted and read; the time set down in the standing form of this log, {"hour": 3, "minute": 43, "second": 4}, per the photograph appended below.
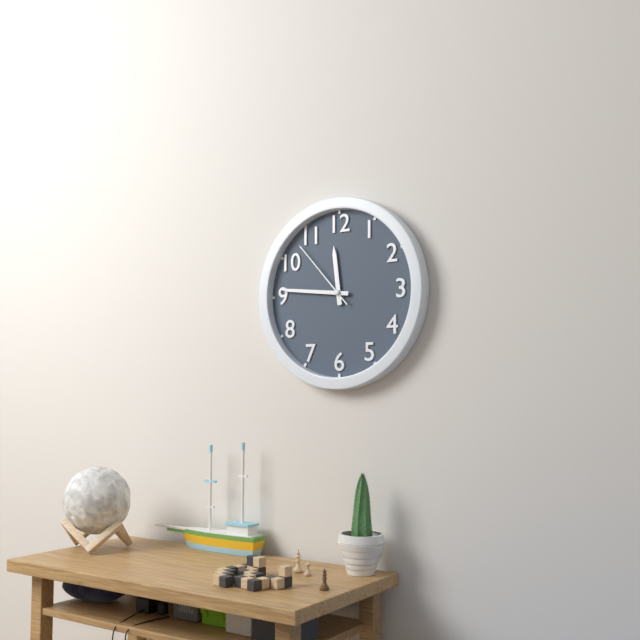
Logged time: {"hour": 11, "minute": 46, "second": 53}
